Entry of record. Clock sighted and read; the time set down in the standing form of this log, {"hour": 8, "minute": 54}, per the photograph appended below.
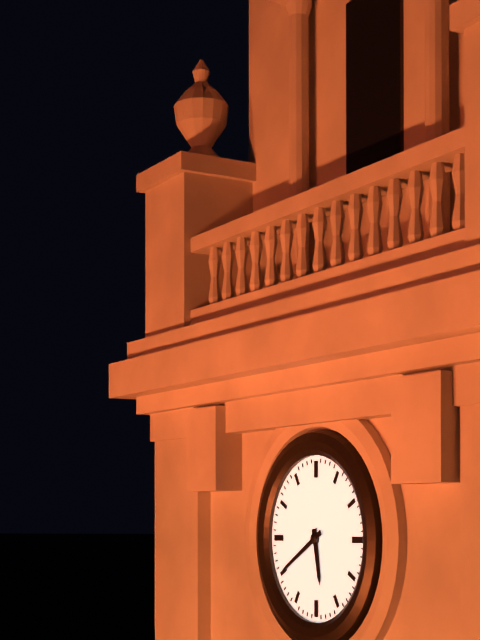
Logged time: {"hour": 5, "minute": 40}
